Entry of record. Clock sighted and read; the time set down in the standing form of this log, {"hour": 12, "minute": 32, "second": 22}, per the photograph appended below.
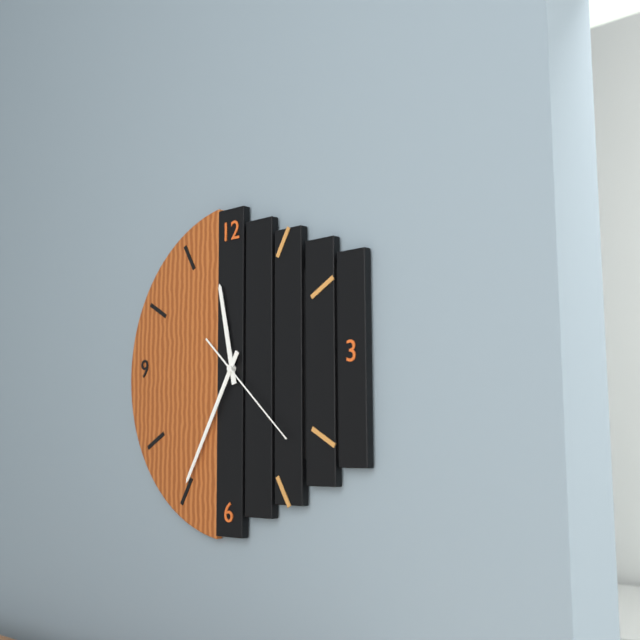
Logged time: {"hour": 11, "minute": 35, "second": 22}
